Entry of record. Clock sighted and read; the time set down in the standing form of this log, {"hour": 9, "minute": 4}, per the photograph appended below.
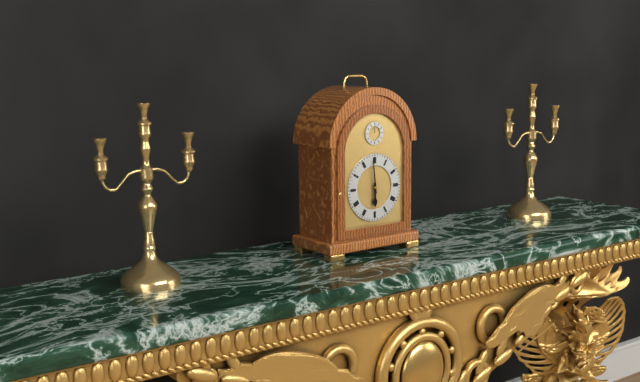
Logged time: {"hour": 5, "minute": 59}
